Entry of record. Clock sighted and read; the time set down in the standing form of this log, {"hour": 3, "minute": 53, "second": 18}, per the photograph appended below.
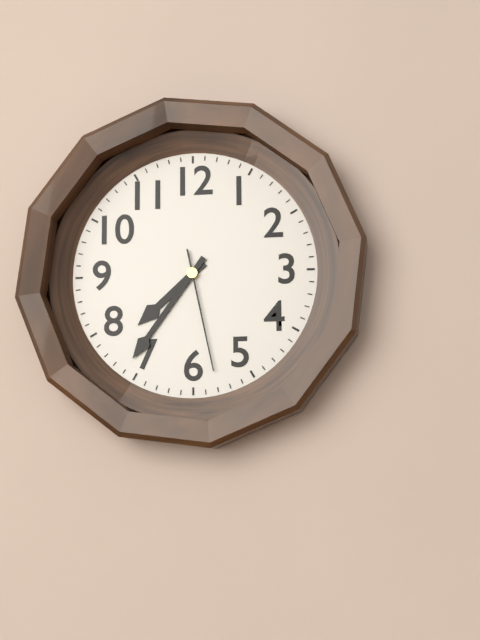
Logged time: {"hour": 7, "minute": 36, "second": 28}
